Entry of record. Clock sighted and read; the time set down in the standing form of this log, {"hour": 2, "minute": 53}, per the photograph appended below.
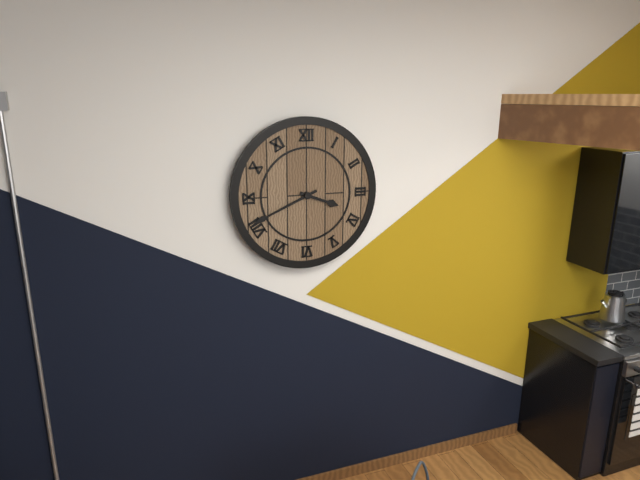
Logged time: {"hour": 3, "minute": 41}
